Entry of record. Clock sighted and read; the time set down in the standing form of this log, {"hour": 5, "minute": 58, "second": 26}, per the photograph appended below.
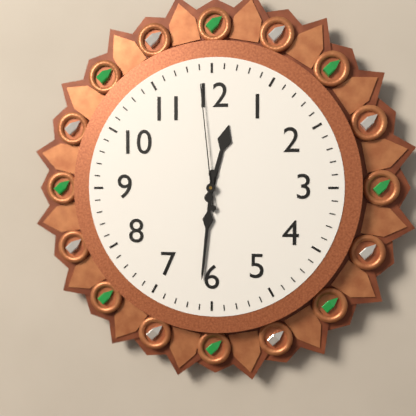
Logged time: {"hour": 12, "minute": 31, "second": 59}
